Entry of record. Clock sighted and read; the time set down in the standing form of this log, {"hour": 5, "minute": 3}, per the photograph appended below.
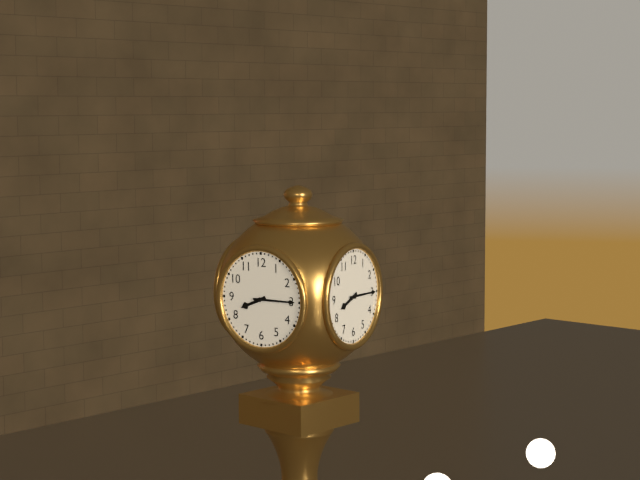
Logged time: {"hour": 8, "minute": 15}
